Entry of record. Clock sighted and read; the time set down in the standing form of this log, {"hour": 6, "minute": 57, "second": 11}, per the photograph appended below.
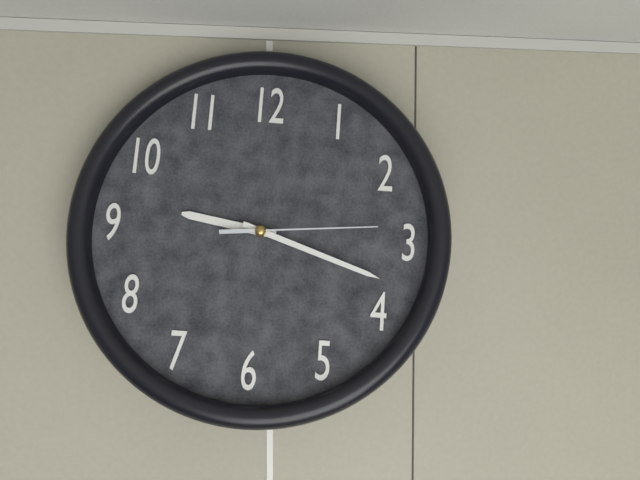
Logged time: {"hour": 9, "minute": 18, "second": 14}
